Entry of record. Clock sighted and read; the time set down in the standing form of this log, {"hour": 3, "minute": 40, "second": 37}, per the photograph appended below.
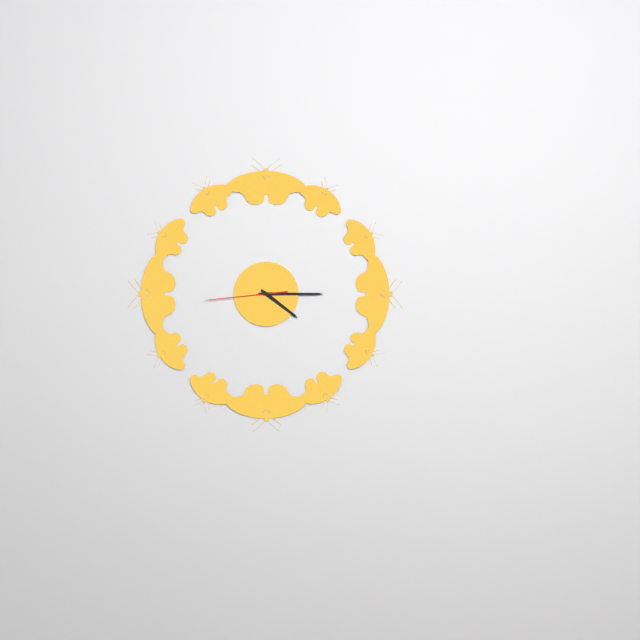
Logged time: {"hour": 4, "minute": 15, "second": 44}
